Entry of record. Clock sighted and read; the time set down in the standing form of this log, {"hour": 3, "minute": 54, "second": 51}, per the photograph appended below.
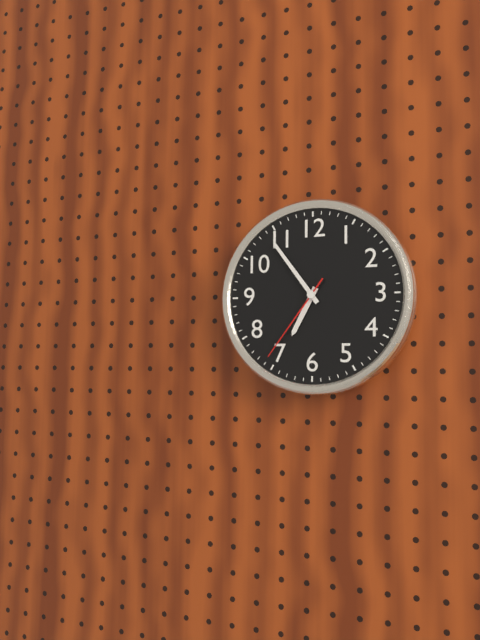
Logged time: {"hour": 6, "minute": 54, "second": 36}
